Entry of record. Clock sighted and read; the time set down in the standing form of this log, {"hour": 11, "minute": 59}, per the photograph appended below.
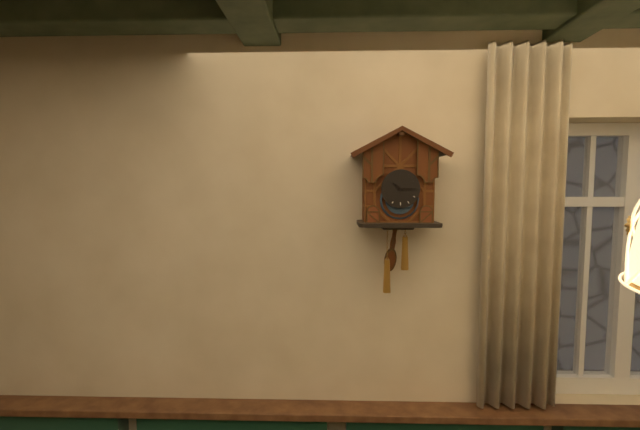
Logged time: {"hour": 10, "minute": 15}
